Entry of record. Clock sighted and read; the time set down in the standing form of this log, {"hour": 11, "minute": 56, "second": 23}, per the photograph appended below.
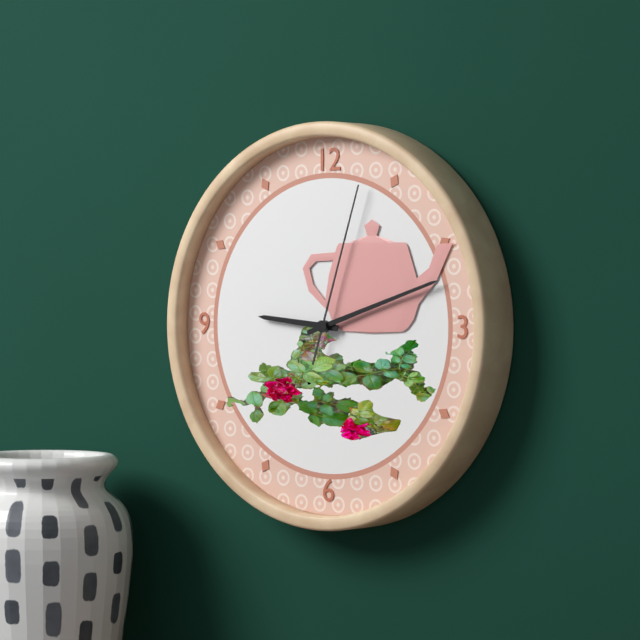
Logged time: {"hour": 9, "minute": 12, "second": 3}
